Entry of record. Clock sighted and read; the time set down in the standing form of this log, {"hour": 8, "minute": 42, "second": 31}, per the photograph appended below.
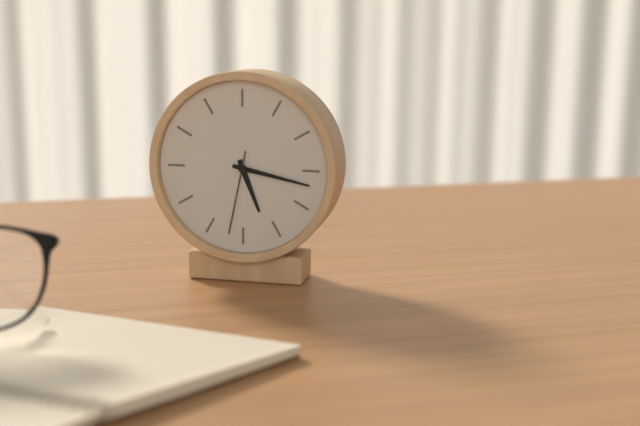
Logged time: {"hour": 5, "minute": 17, "second": 32}
